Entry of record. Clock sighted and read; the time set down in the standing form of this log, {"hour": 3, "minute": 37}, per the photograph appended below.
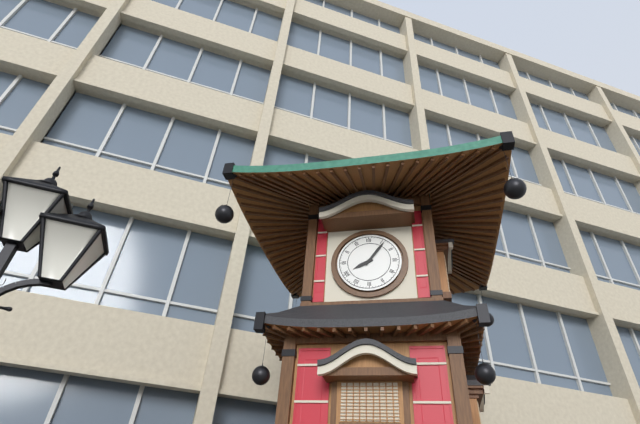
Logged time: {"hour": 8, "minute": 6}
